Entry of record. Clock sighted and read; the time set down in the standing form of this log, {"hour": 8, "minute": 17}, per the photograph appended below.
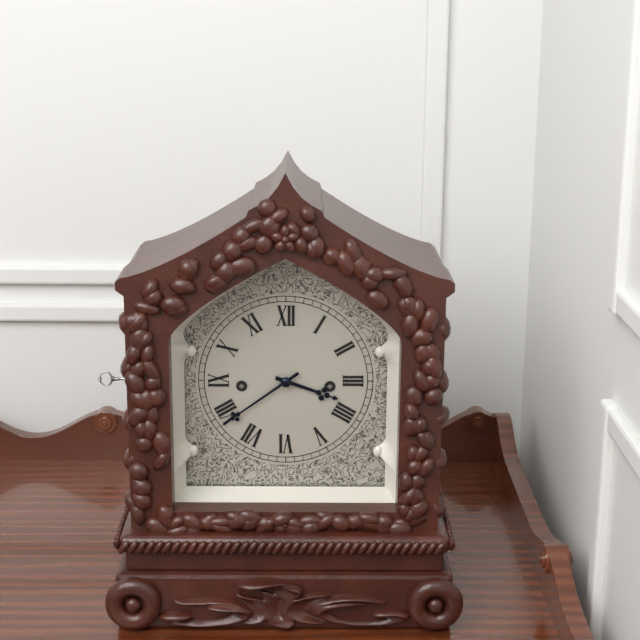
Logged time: {"hour": 3, "minute": 39}
